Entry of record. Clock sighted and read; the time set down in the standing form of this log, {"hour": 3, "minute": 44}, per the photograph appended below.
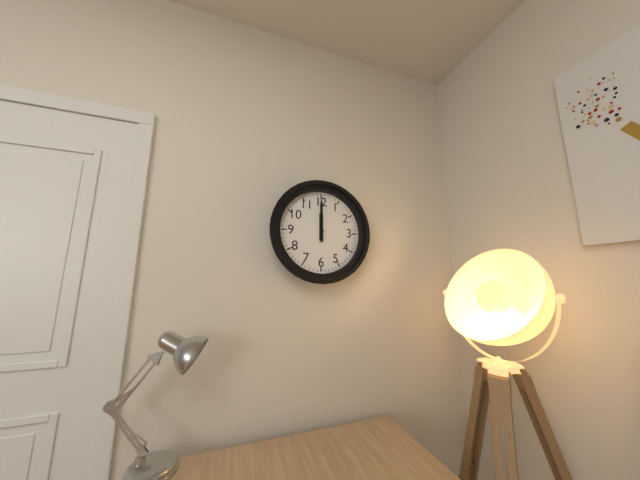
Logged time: {"hour": 12, "minute": 0}
